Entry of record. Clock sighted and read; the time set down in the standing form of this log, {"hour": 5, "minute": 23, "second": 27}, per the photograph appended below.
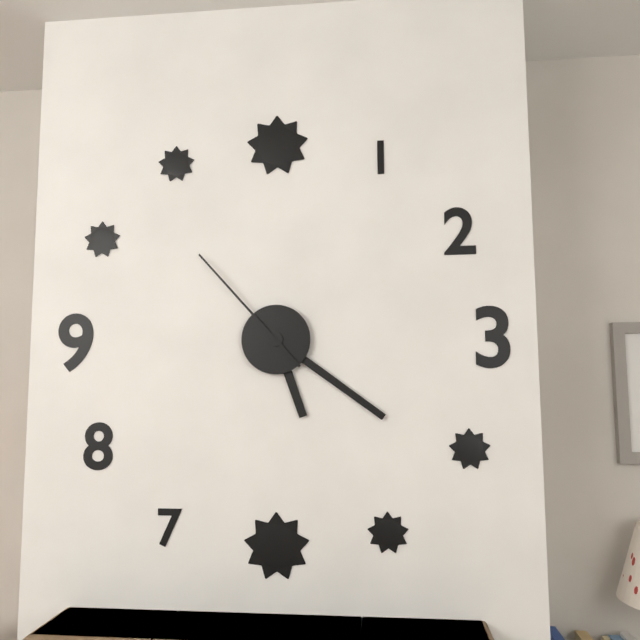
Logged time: {"hour": 5, "minute": 21, "second": 53}
